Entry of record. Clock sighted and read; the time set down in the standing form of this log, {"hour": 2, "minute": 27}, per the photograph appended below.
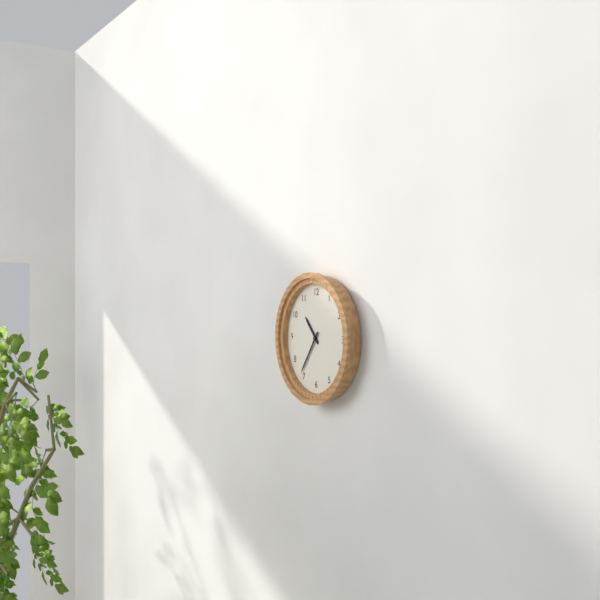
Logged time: {"hour": 10, "minute": 36}
